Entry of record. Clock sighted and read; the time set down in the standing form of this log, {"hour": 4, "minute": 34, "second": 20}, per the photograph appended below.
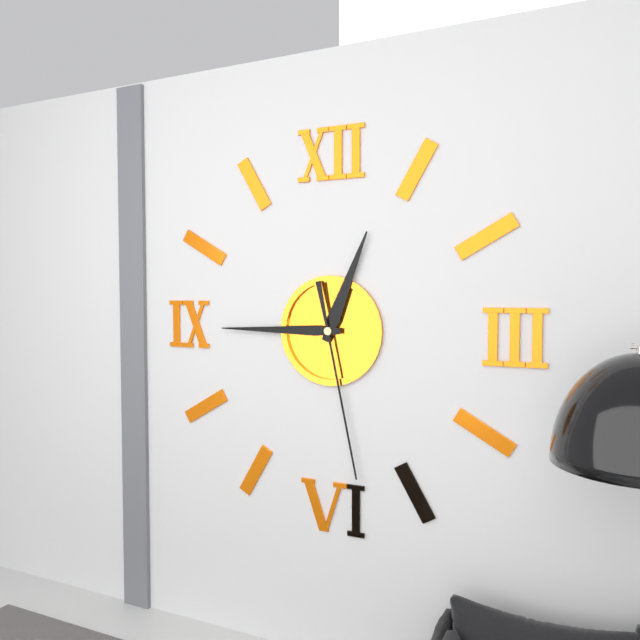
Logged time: {"hour": 12, "minute": 45, "second": 28}
